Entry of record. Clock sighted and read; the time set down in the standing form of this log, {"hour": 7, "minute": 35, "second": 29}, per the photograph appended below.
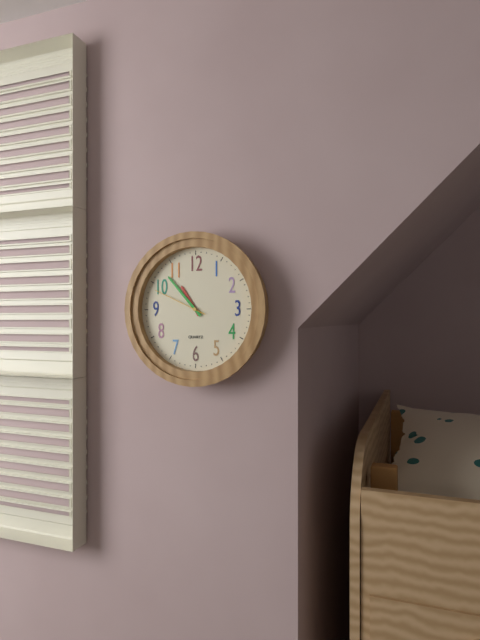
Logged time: {"hour": 10, "minute": 53, "second": 49}
